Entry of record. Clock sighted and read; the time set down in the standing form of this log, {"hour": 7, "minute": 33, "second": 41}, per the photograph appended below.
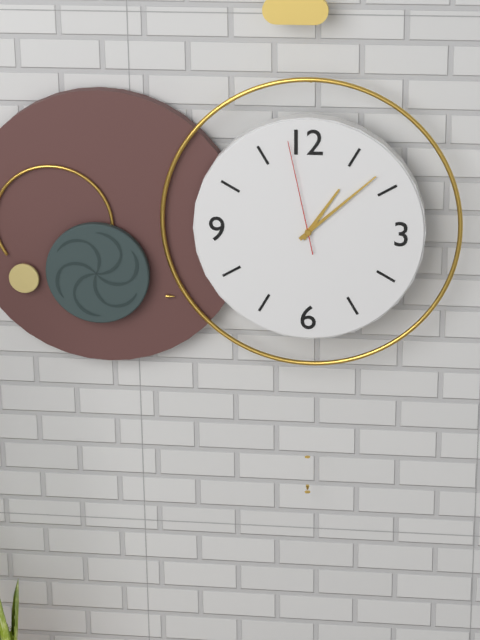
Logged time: {"hour": 1, "minute": 8, "second": 58}
